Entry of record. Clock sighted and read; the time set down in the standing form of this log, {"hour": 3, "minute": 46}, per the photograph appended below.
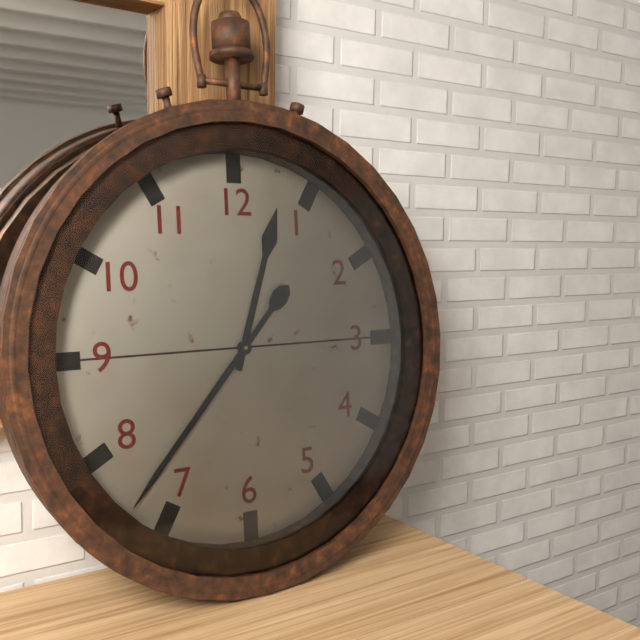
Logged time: {"hour": 12, "minute": 37}
